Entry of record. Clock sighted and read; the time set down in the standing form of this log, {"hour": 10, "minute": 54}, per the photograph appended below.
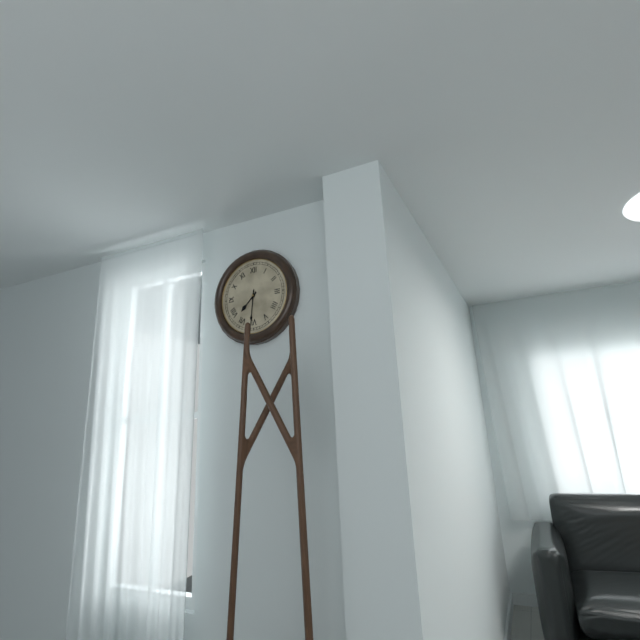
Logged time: {"hour": 7, "minute": 31}
